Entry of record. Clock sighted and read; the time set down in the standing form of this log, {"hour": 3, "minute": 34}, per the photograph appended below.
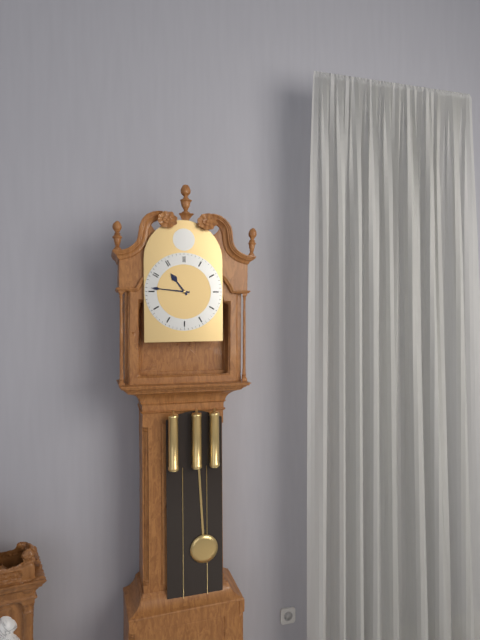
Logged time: {"hour": 10, "minute": 46}
